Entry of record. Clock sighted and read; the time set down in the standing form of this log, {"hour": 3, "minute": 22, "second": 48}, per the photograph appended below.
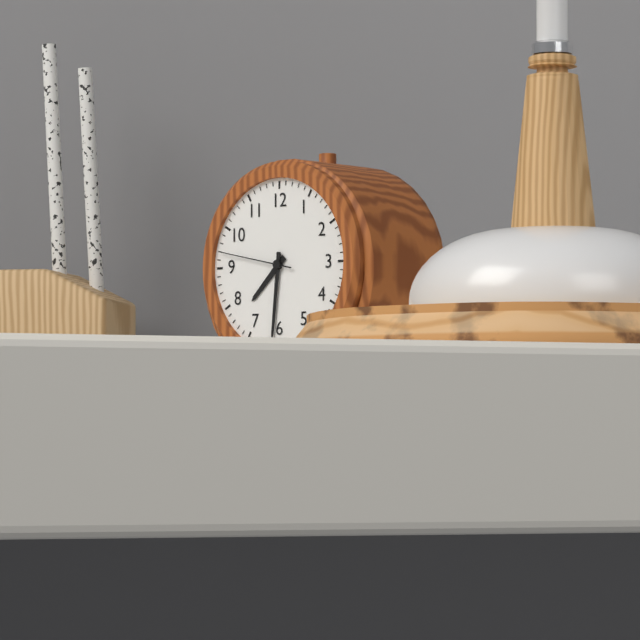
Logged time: {"hour": 7, "minute": 31, "second": 47}
